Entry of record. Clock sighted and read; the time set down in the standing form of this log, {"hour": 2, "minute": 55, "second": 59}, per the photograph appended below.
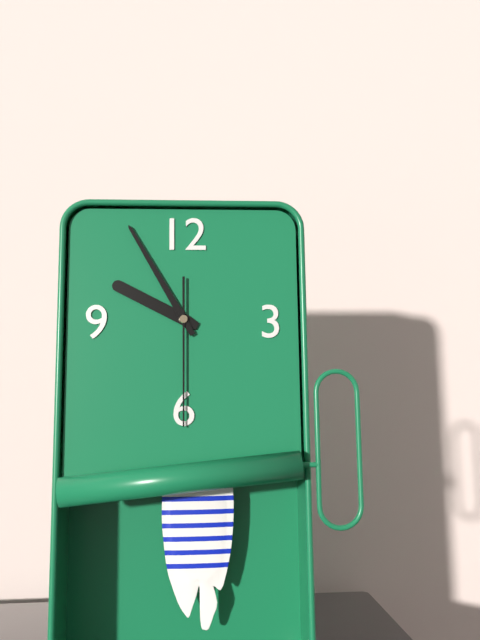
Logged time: {"hour": 9, "minute": 55, "second": 30}
